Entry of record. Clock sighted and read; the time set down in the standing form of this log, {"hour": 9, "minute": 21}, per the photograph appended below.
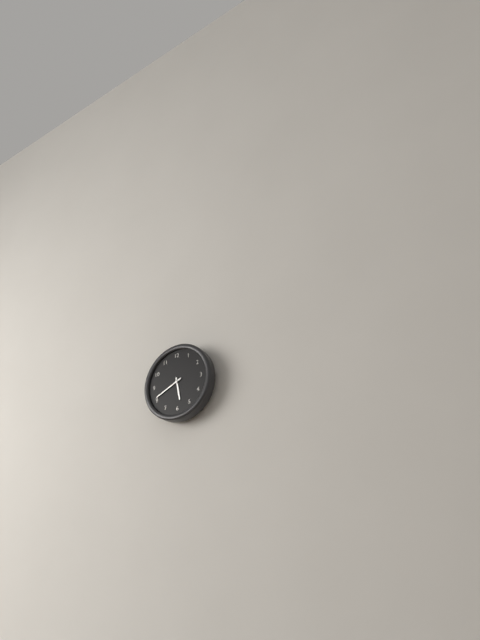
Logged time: {"hour": 5, "minute": 41}
